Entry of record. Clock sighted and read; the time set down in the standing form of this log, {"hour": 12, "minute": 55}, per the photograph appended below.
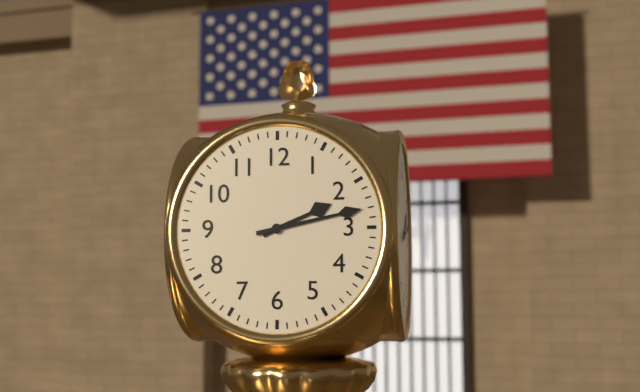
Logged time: {"hour": 2, "minute": 13}
